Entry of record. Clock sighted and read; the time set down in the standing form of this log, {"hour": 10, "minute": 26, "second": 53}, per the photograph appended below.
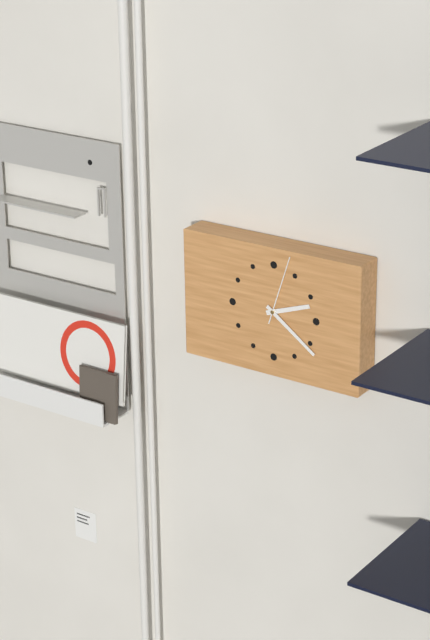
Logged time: {"hour": 2, "minute": 21, "second": 3}
